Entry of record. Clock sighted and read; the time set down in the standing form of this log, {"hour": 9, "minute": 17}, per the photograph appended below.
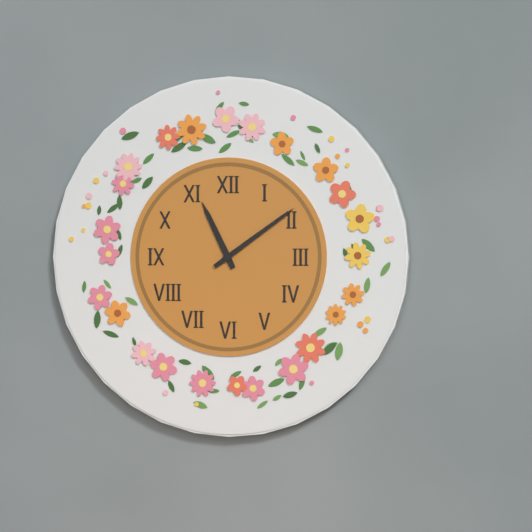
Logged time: {"hour": 11, "minute": 9}
